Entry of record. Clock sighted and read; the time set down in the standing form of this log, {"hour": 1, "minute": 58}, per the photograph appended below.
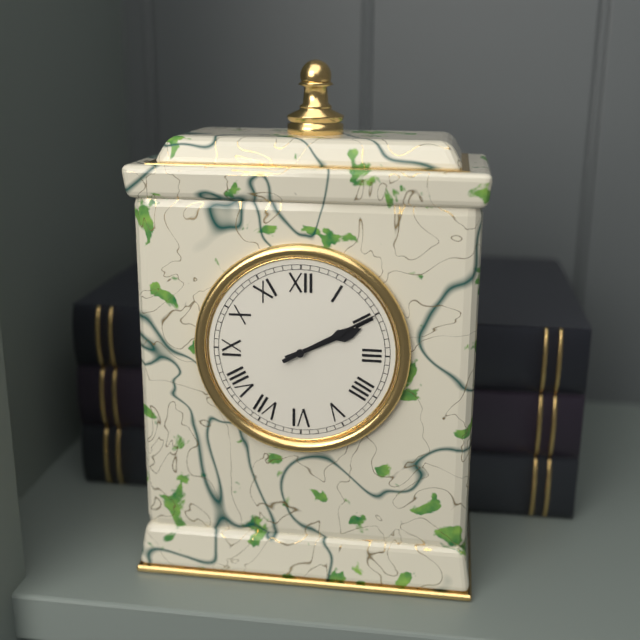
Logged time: {"hour": 2, "minute": 10}
